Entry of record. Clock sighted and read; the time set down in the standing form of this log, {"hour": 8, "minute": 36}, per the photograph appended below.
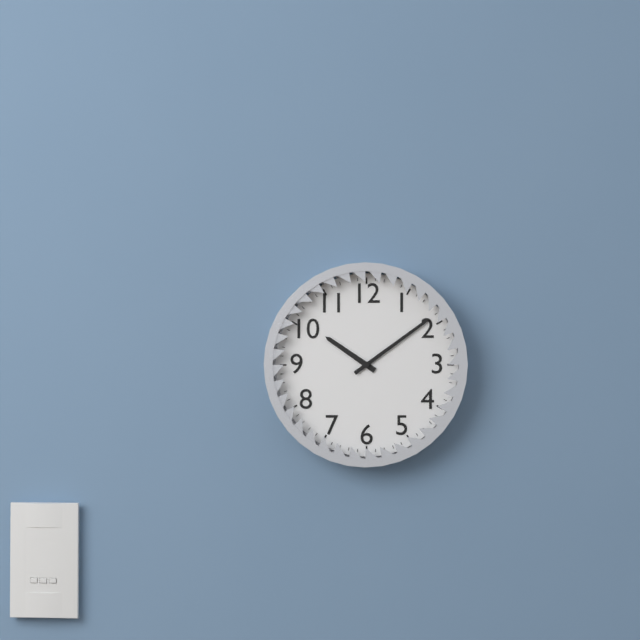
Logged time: {"hour": 10, "minute": 9}
